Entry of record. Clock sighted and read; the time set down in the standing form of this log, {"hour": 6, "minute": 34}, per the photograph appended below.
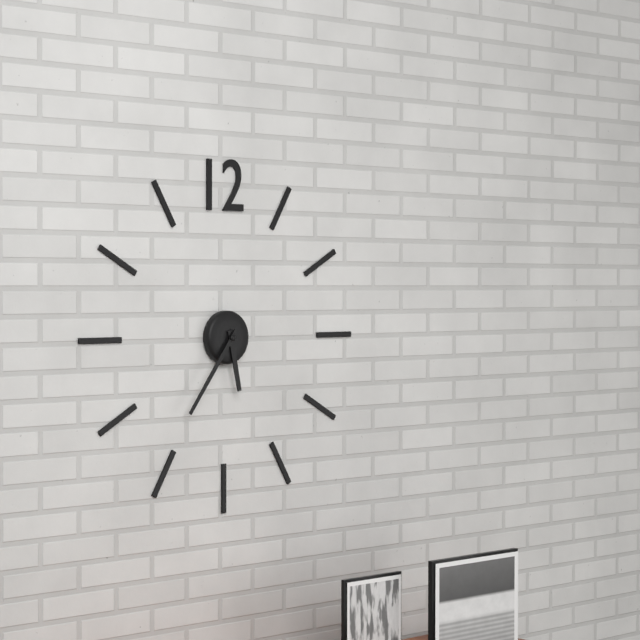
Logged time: {"hour": 5, "minute": 36}
